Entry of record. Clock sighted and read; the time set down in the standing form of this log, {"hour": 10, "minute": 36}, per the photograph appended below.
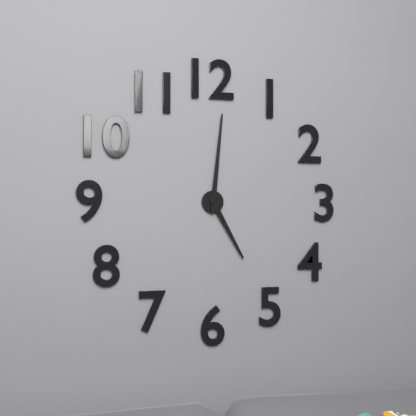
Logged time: {"hour": 5, "minute": 1}
